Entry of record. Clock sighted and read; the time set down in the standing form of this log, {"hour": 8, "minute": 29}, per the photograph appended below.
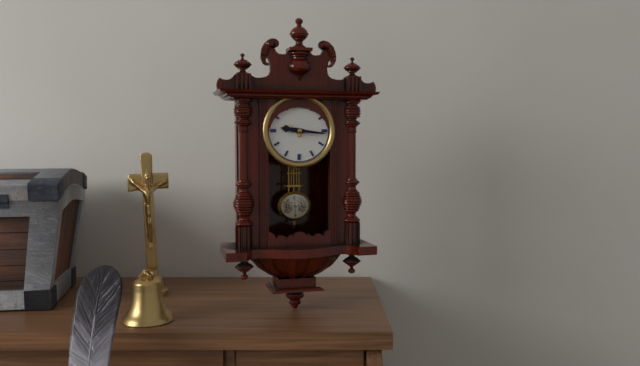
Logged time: {"hour": 9, "minute": 16}
